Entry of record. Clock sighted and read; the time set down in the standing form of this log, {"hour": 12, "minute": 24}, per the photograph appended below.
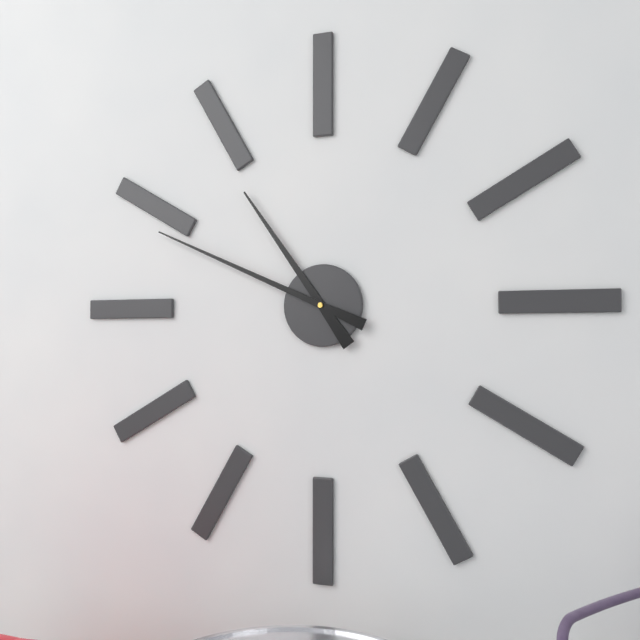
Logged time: {"hour": 10, "minute": 49}
